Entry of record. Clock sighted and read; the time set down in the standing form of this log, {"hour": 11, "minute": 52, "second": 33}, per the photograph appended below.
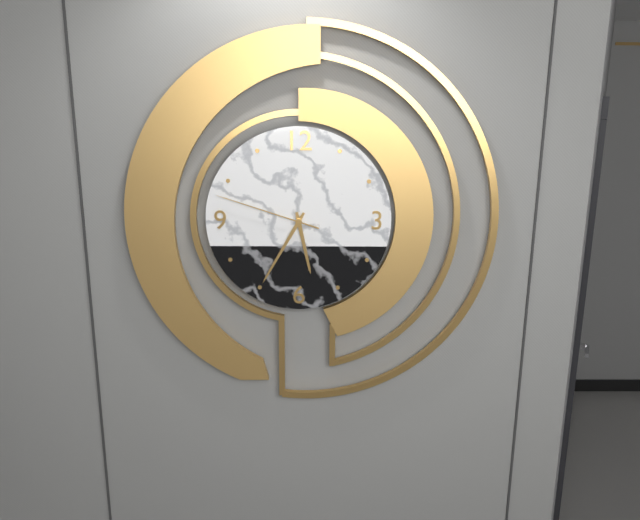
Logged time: {"hour": 5, "minute": 35, "second": 48}
